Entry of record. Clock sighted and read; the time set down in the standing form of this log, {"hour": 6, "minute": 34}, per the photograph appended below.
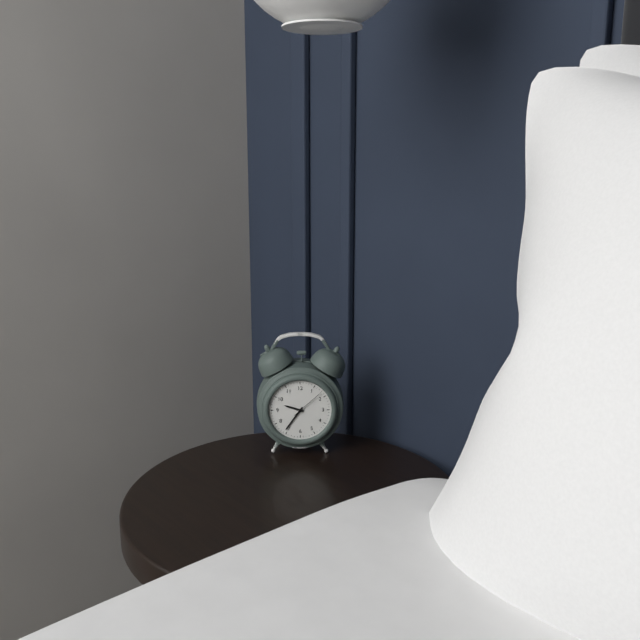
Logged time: {"hour": 9, "minute": 36}
